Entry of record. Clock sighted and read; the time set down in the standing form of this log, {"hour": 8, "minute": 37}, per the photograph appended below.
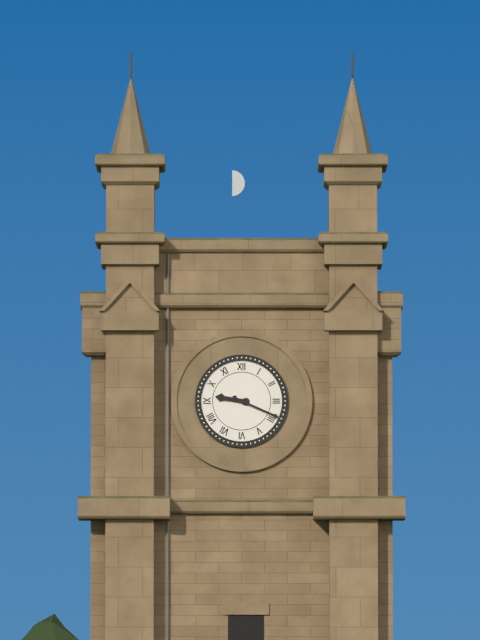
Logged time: {"hour": 9, "minute": 19}
